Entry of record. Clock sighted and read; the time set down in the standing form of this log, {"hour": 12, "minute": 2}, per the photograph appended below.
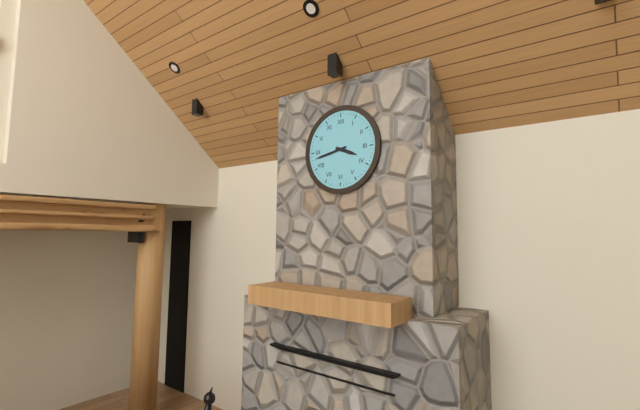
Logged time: {"hour": 3, "minute": 43}
